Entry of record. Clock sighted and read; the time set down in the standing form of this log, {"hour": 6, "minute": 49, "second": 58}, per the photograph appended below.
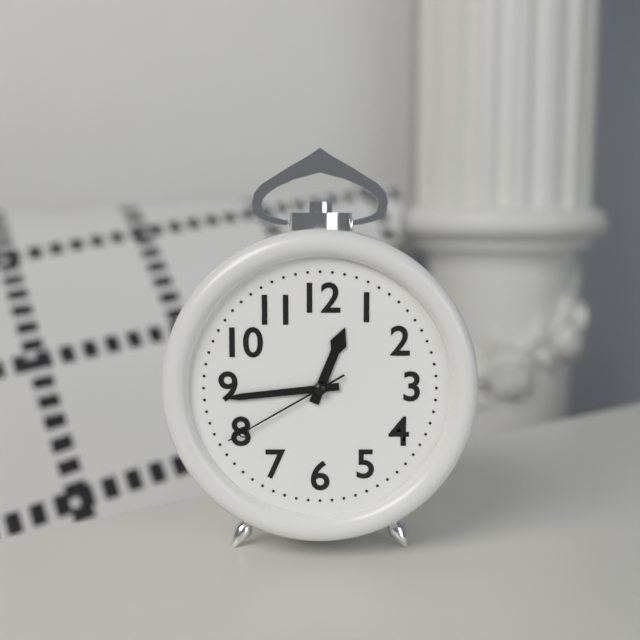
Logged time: {"hour": 12, "minute": 44, "second": 40}
